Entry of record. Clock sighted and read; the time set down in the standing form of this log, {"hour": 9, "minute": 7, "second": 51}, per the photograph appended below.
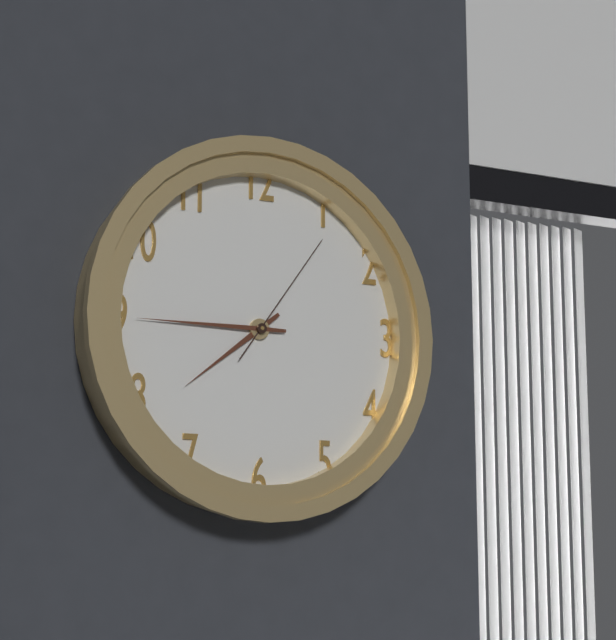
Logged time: {"hour": 7, "minute": 45, "second": 6}
